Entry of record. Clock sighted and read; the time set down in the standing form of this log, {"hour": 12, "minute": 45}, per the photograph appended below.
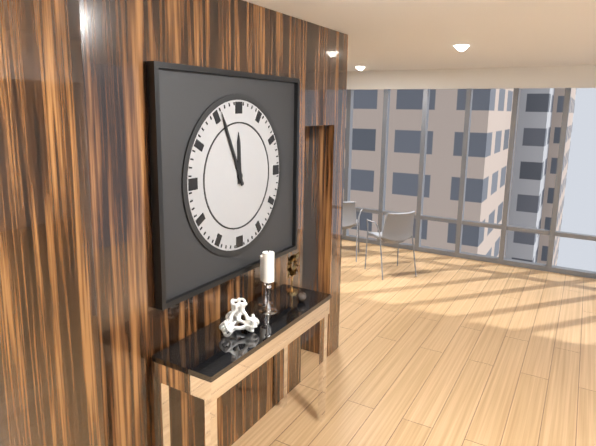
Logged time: {"hour": 11, "minute": 56}
